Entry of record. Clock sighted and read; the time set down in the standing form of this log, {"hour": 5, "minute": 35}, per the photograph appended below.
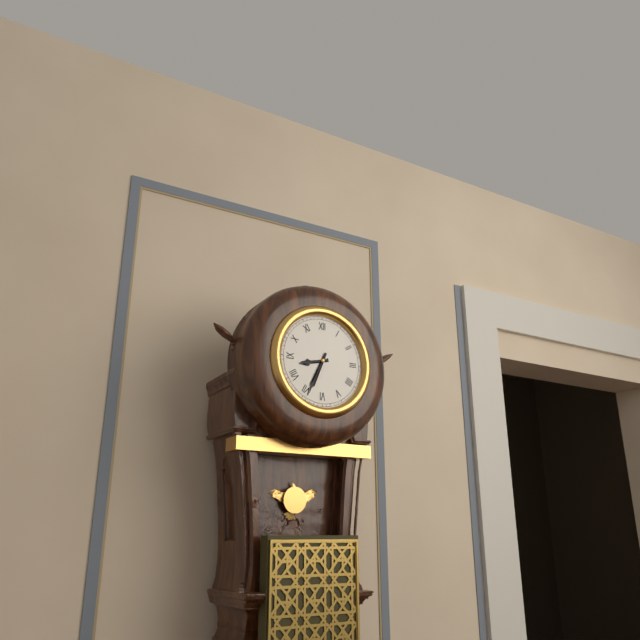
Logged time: {"hour": 8, "minute": 34}
